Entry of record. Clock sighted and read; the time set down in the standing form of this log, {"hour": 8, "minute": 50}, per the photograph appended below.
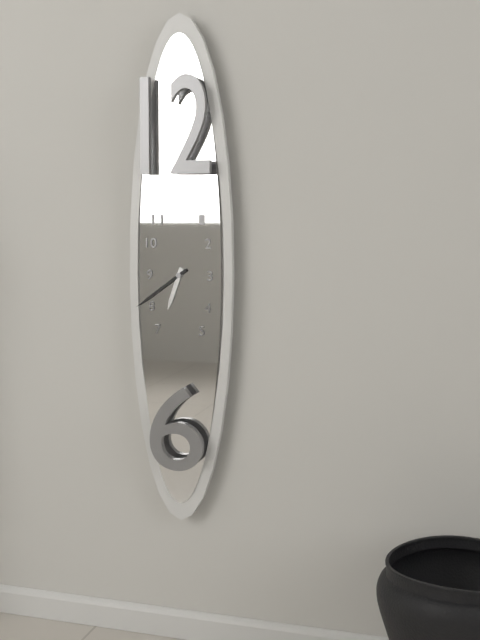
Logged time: {"hour": 6, "minute": 39}
